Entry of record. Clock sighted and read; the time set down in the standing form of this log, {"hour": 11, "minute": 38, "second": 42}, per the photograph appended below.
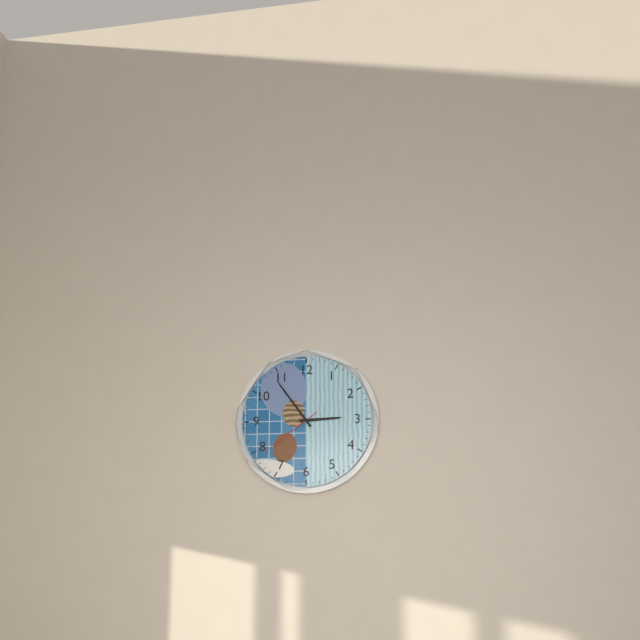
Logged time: {"hour": 2, "minute": 54, "second": 39}
